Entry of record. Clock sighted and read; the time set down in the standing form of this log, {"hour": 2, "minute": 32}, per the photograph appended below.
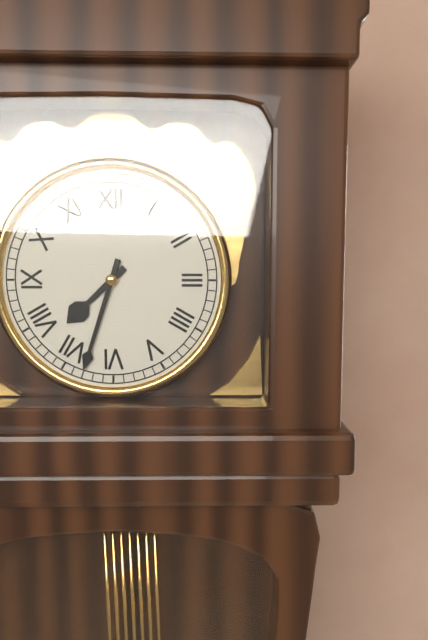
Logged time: {"hour": 7, "minute": 33}
